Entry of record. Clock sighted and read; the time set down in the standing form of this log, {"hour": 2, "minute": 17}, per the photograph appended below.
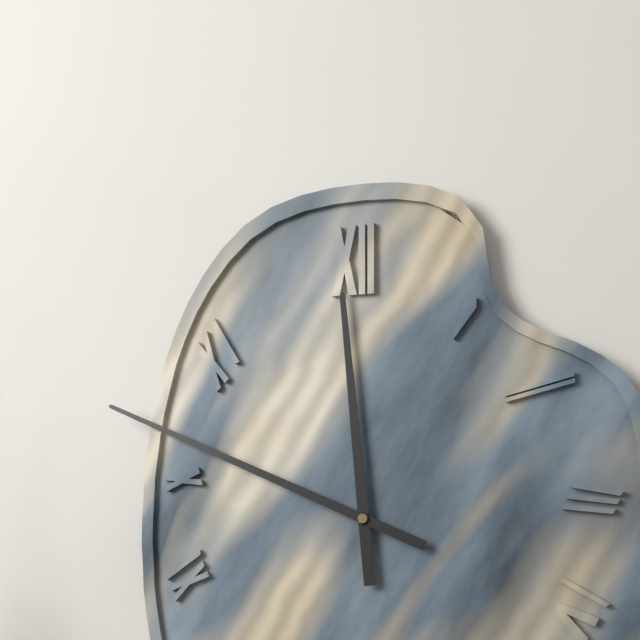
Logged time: {"hour": 11, "minute": 49}
